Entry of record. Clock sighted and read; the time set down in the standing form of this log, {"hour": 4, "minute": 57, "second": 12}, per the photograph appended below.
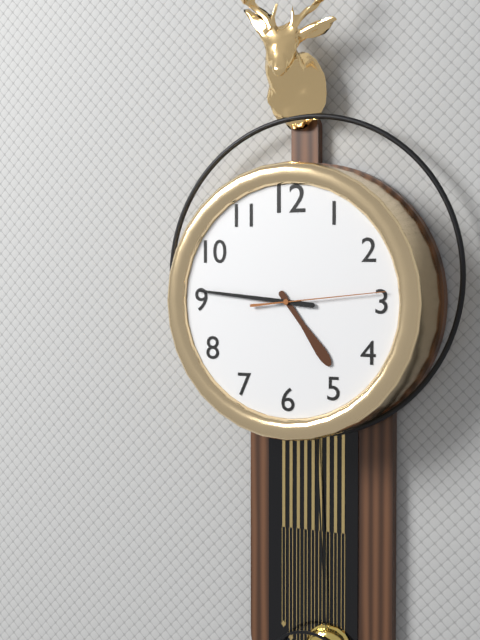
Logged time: {"hour": 4, "minute": 46, "second": 14}
